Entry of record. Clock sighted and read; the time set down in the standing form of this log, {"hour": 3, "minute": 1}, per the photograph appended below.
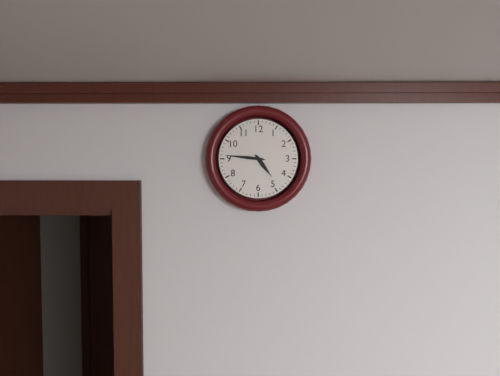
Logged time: {"hour": 4, "minute": 46}
